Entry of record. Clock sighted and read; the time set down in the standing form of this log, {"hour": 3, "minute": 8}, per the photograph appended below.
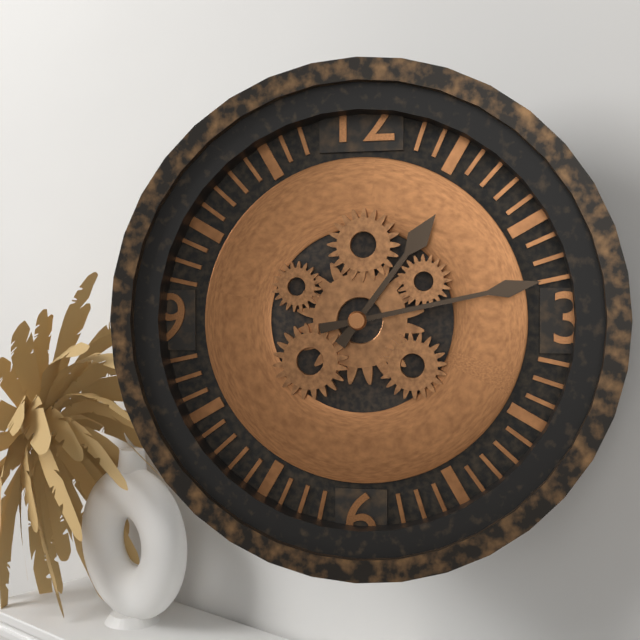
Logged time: {"hour": 1, "minute": 13}
